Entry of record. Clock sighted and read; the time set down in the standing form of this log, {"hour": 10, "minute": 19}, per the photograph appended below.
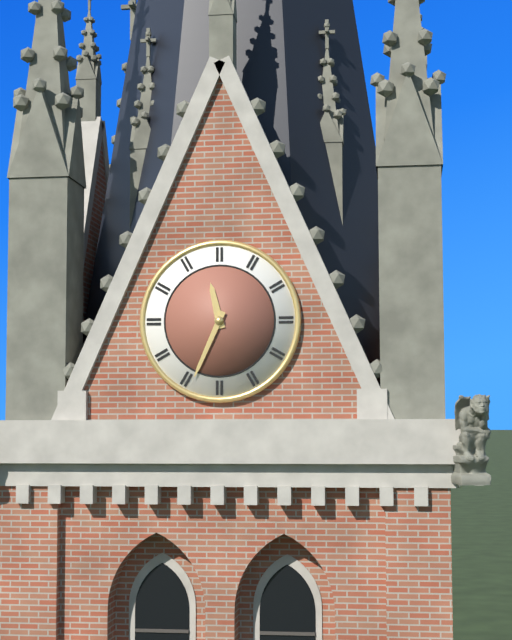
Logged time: {"hour": 11, "minute": 34}
